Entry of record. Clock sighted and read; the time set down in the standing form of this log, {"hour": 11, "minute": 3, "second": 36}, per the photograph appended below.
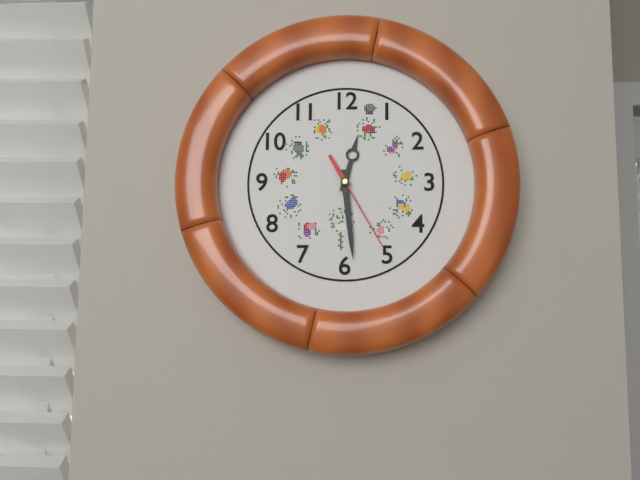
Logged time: {"hour": 12, "minute": 29, "second": 25}
